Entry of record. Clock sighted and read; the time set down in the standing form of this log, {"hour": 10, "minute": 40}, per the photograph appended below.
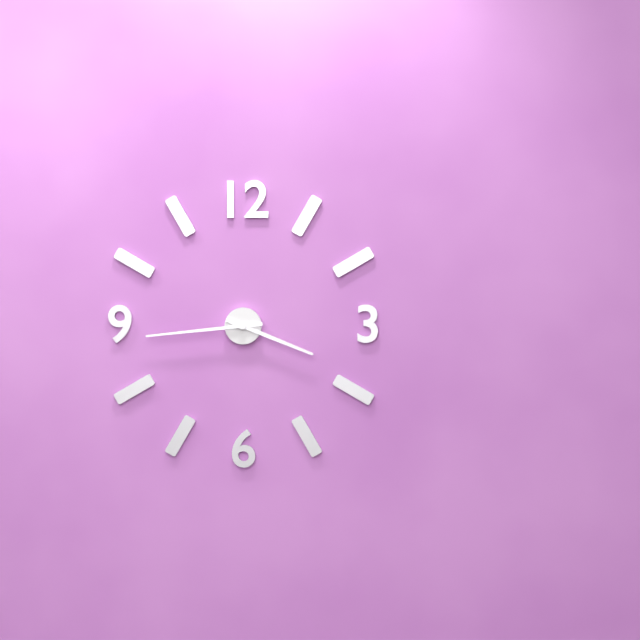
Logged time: {"hour": 3, "minute": 44}
